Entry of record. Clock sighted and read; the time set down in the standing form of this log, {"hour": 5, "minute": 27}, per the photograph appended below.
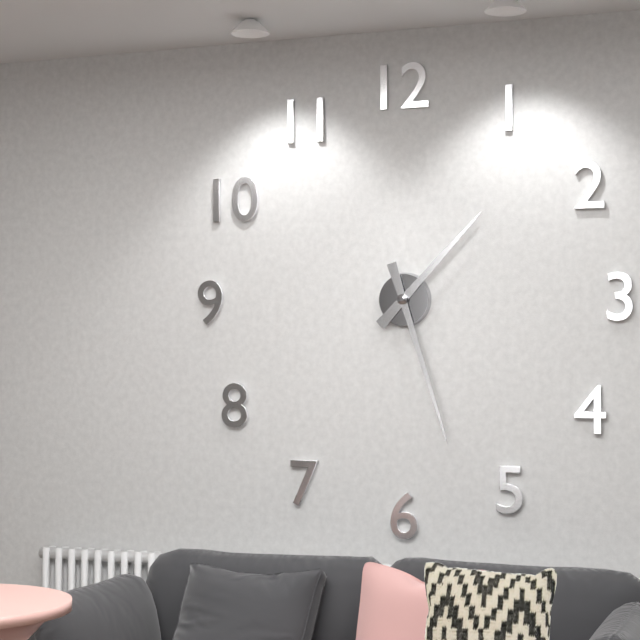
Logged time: {"hour": 1, "minute": 27}
